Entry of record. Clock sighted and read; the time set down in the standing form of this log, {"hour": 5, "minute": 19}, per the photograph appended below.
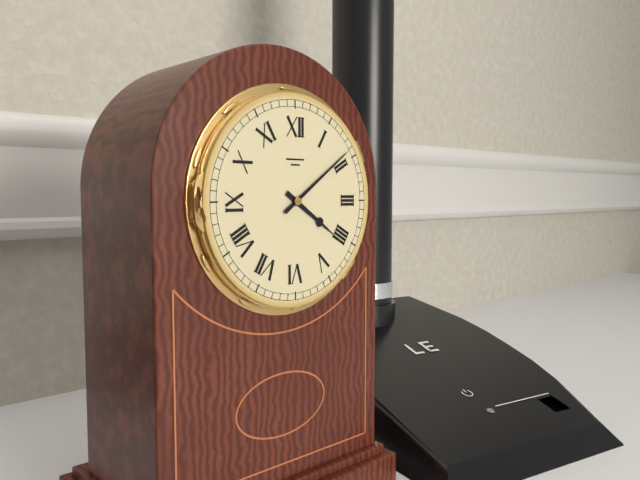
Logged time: {"hour": 4, "minute": 9}
